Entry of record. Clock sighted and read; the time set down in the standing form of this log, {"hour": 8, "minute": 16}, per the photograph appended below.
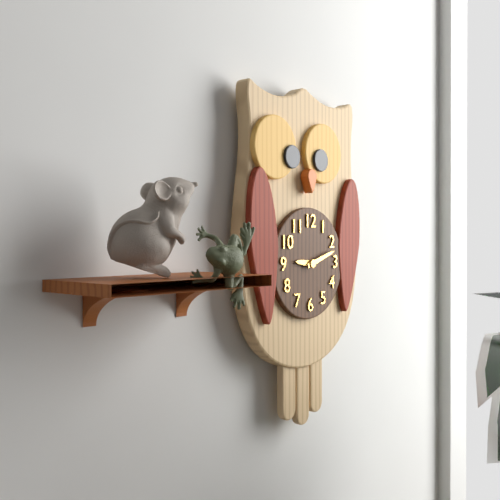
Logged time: {"hour": 9, "minute": 12}
